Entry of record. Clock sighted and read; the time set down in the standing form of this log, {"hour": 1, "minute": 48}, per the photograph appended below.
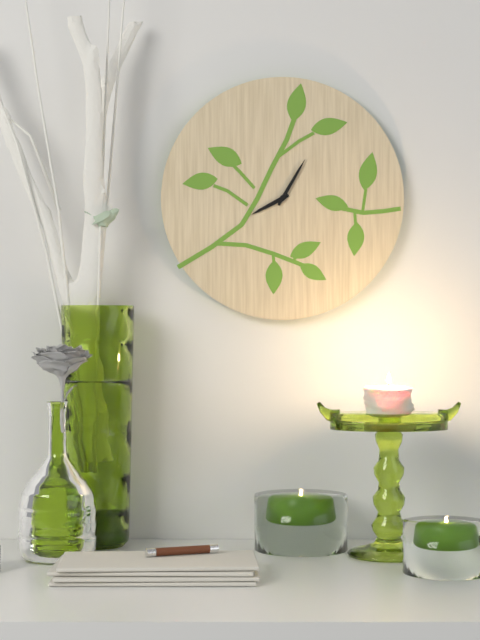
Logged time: {"hour": 8, "minute": 5}
